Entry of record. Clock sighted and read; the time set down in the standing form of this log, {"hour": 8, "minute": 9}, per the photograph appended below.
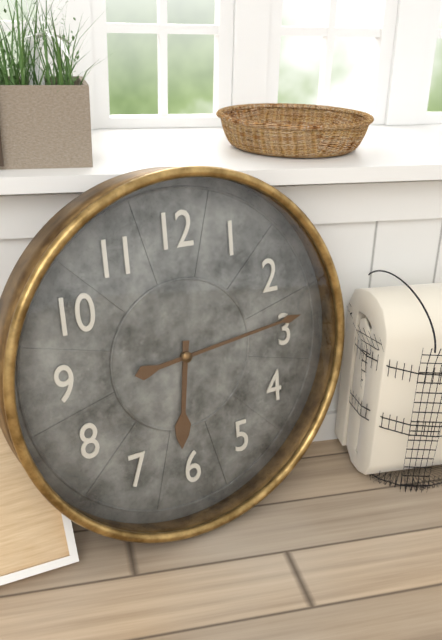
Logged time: {"hour": 6, "minute": 14}
